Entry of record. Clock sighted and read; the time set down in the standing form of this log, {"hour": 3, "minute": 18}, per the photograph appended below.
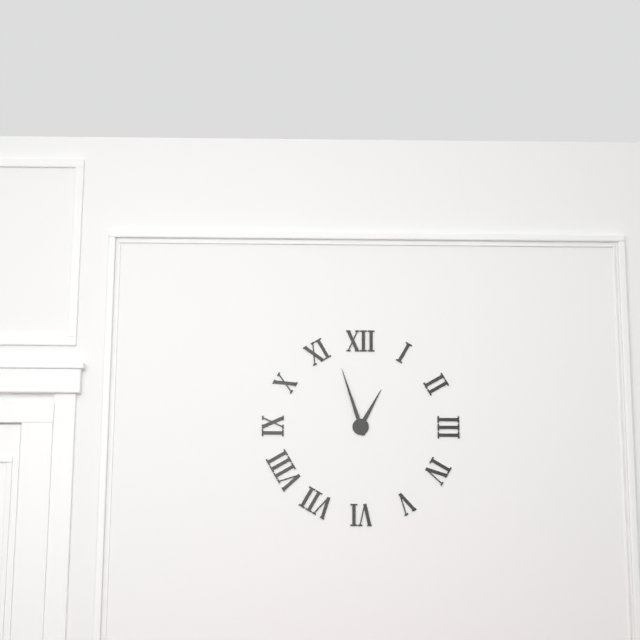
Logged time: {"hour": 12, "minute": 57}
